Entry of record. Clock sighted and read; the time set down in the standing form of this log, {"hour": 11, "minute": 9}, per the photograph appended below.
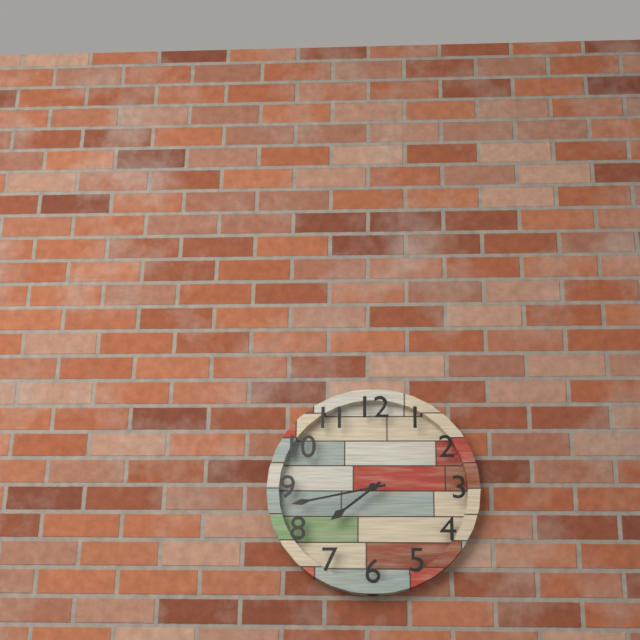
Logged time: {"hour": 7, "minute": 43}
